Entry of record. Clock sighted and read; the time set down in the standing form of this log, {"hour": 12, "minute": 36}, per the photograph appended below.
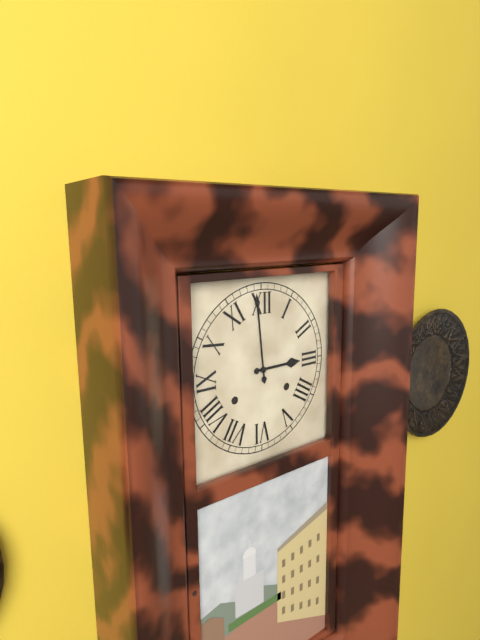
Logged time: {"hour": 2, "minute": 59}
